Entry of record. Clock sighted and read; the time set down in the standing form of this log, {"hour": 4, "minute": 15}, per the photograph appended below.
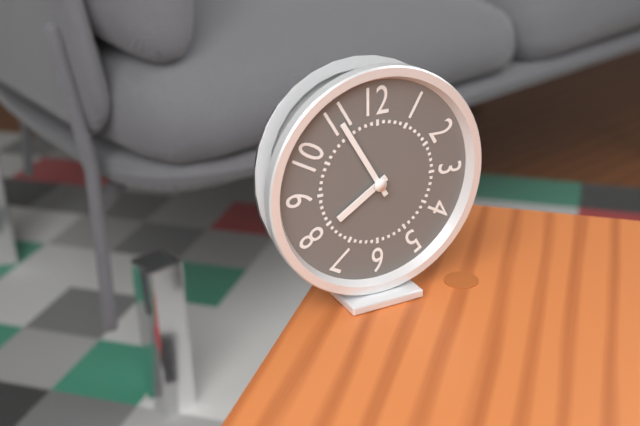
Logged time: {"hour": 7, "minute": 55}
